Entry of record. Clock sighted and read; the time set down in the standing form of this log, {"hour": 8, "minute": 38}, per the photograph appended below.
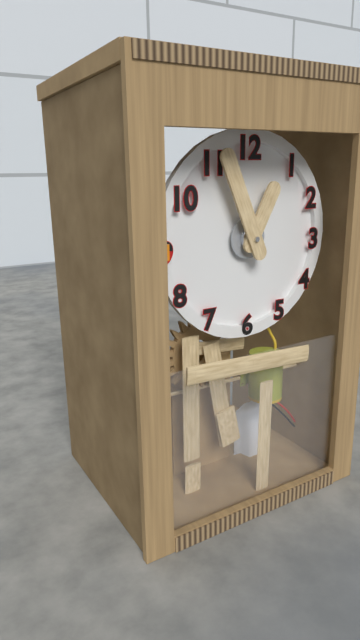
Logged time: {"hour": 12, "minute": 56}
